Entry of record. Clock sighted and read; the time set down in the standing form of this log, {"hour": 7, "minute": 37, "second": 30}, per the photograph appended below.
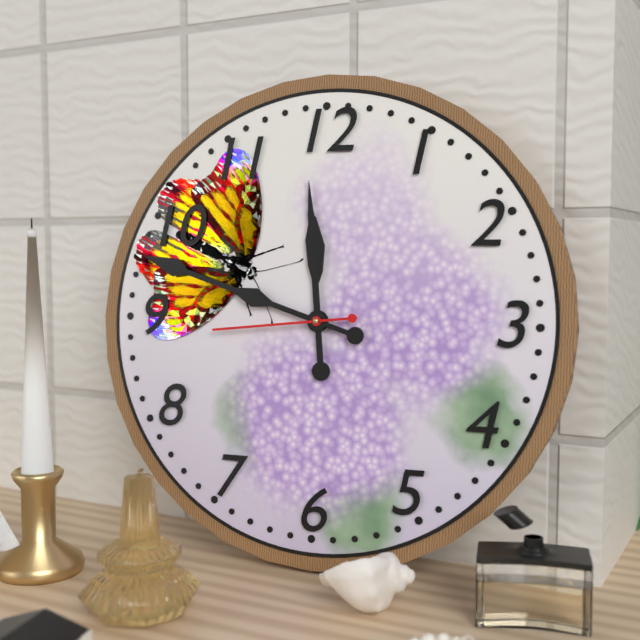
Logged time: {"hour": 11, "minute": 48, "second": 44}
